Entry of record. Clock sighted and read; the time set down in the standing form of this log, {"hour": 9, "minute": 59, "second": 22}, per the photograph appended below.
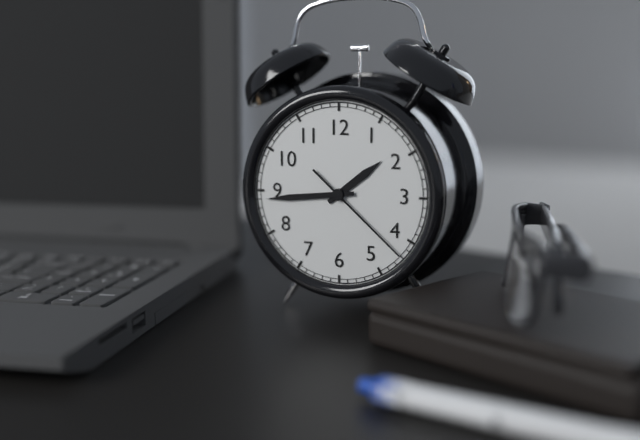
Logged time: {"hour": 1, "minute": 44, "second": 22}
